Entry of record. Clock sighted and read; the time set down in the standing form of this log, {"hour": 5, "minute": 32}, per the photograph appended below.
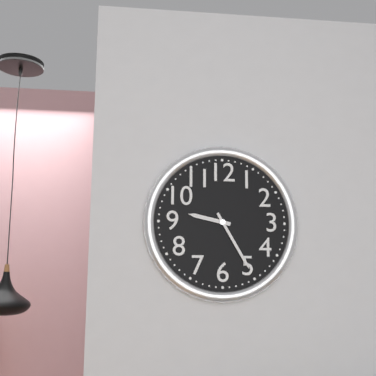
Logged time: {"hour": 9, "minute": 25}
